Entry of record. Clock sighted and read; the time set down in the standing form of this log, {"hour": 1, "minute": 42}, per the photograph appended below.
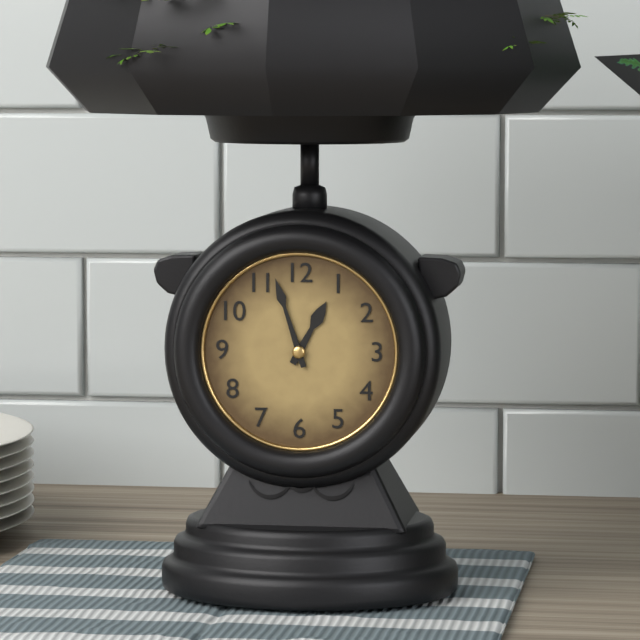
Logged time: {"hour": 12, "minute": 57}
